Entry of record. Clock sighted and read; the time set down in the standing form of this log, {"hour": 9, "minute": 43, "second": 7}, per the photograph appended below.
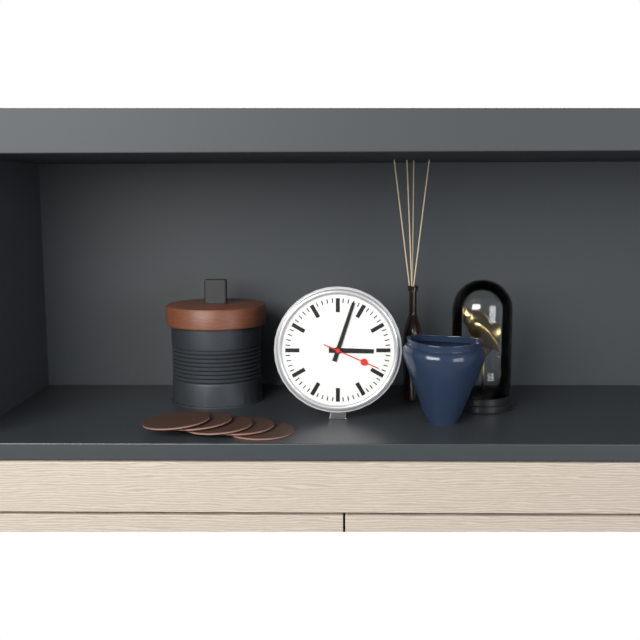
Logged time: {"hour": 3, "minute": 3, "second": 19}
